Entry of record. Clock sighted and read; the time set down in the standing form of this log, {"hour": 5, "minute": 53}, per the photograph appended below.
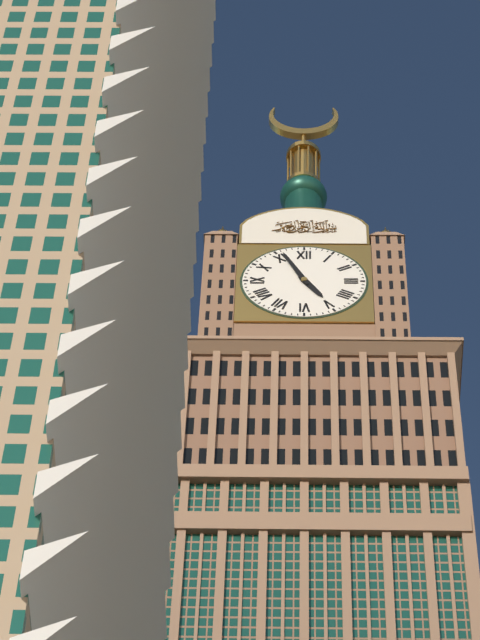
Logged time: {"hour": 4, "minute": 56}
